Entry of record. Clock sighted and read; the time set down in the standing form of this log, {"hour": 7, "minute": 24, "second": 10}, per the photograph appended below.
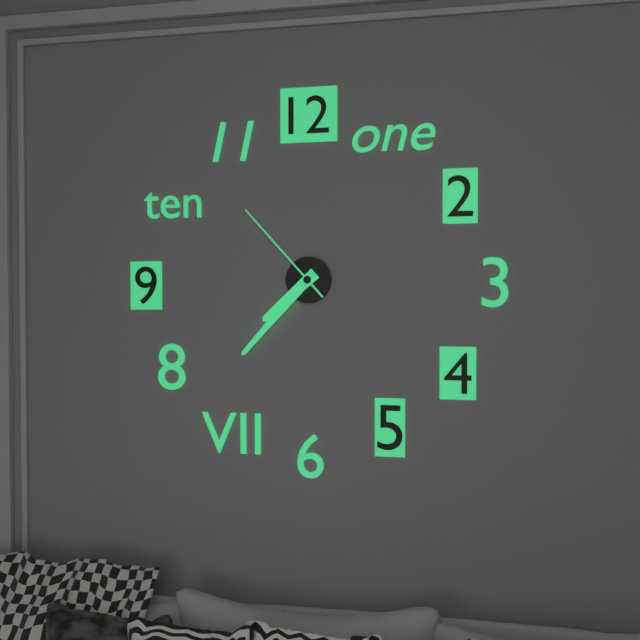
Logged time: {"hour": 7, "minute": 37, "second": 53}
